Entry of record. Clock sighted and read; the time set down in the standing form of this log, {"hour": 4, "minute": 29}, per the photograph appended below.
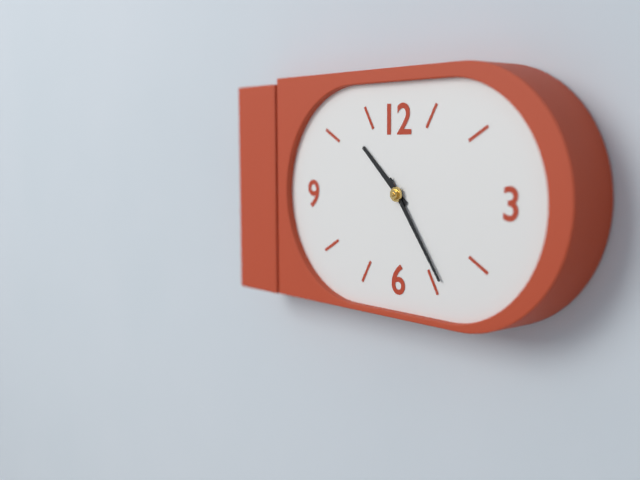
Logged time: {"hour": 10, "minute": 24}
